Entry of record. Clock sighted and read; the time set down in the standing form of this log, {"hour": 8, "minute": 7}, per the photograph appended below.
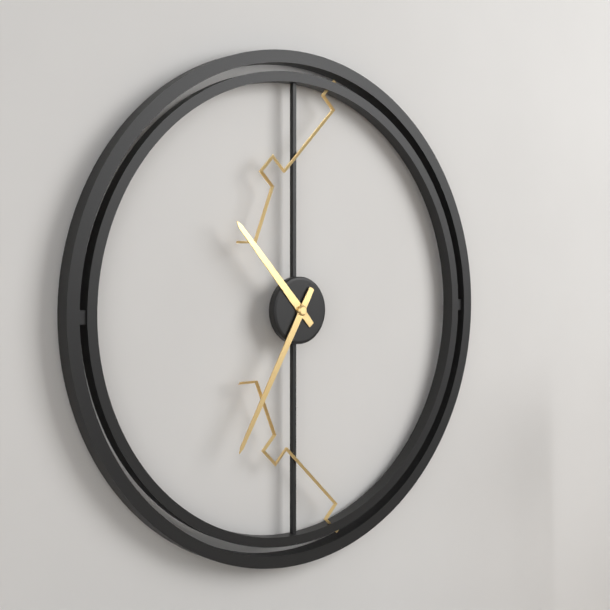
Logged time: {"hour": 10, "minute": 35}
